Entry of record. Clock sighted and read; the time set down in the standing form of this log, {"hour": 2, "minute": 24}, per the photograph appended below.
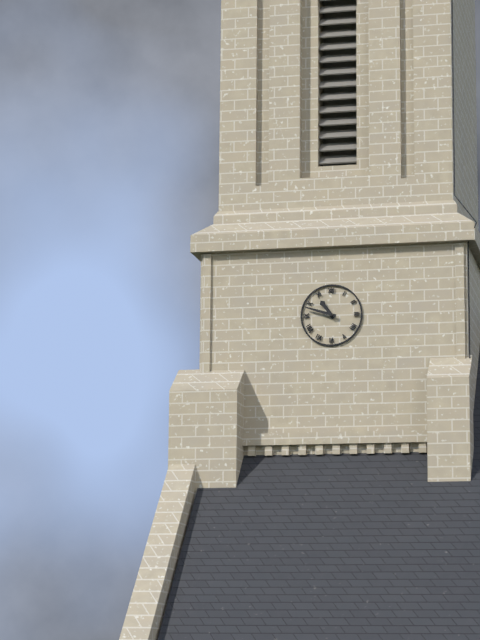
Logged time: {"hour": 10, "minute": 48}
